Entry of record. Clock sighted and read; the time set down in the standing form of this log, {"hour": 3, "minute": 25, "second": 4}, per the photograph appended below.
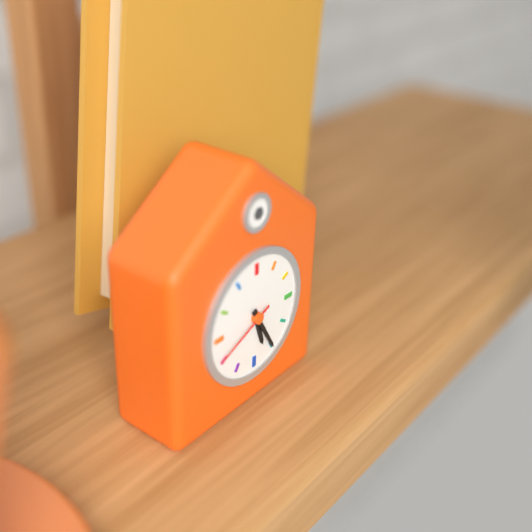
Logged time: {"hour": 5, "minute": 25, "second": 41}
